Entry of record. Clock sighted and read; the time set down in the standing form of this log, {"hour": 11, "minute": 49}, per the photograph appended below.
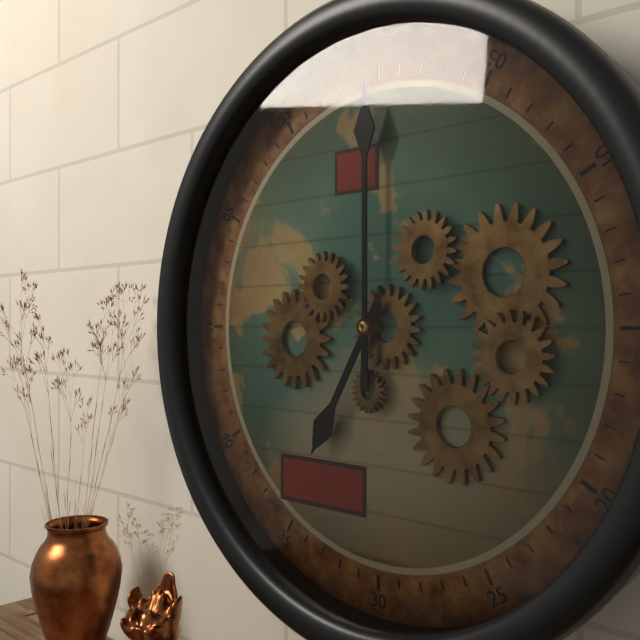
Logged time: {"hour": 7, "minute": 0}
